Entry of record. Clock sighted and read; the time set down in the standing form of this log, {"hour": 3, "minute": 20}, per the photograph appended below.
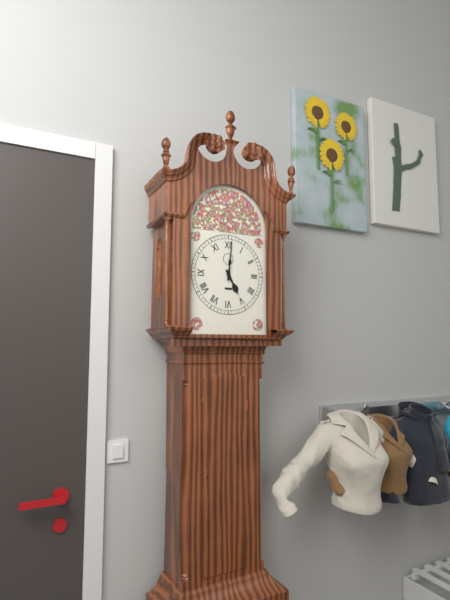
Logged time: {"hour": 5, "minute": 1}
